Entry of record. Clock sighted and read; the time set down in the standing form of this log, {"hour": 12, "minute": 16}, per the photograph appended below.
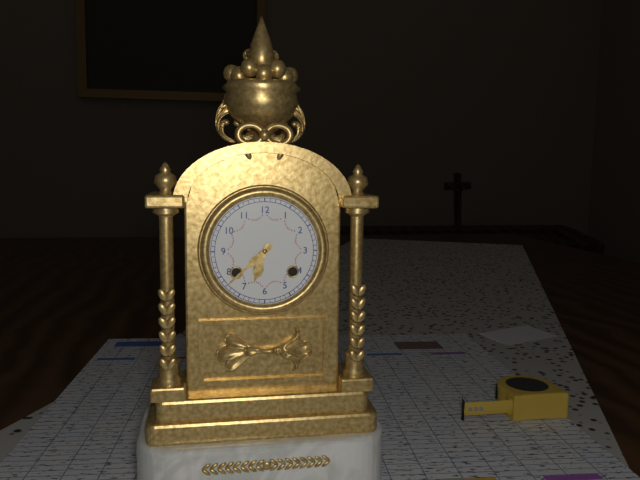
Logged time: {"hour": 6, "minute": 38}
